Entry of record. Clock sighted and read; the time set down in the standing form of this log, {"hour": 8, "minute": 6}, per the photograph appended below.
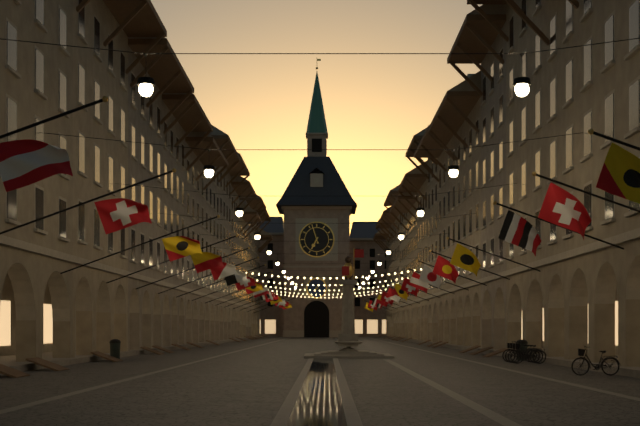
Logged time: {"hour": 6, "minute": 57}
